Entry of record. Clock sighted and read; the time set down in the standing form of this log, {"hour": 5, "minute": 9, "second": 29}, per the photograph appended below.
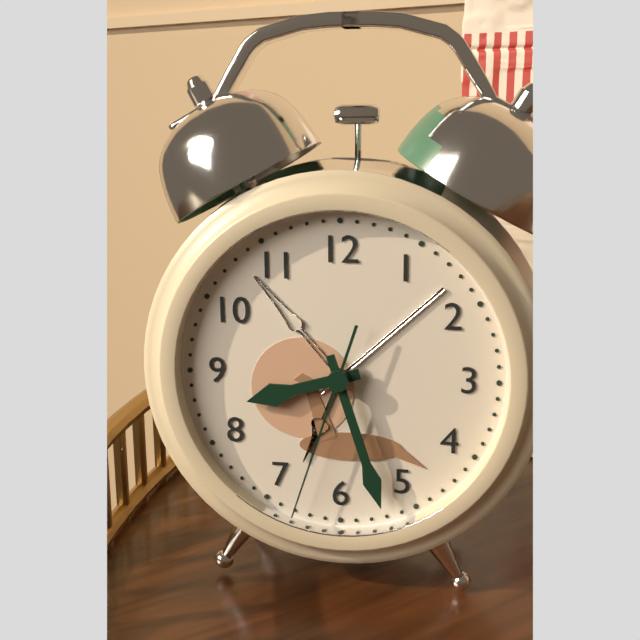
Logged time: {"hour": 8, "minute": 27, "second": 33}
